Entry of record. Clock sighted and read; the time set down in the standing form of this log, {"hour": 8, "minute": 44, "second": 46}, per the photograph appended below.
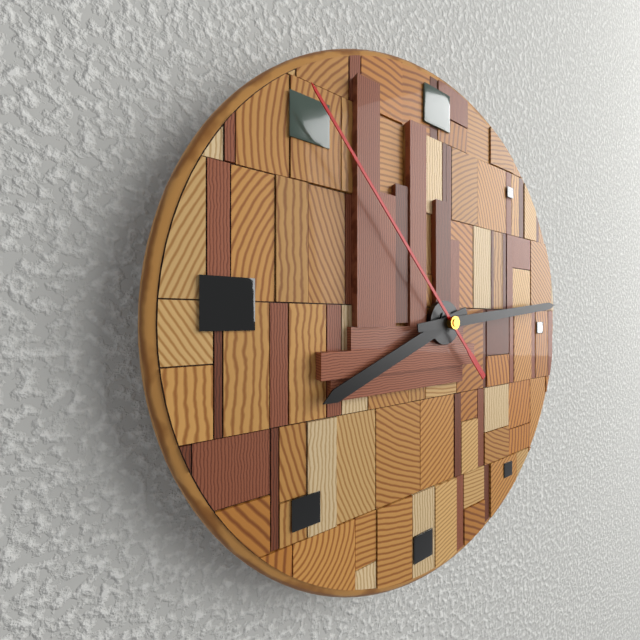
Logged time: {"hour": 8, "minute": 14, "second": 53}
